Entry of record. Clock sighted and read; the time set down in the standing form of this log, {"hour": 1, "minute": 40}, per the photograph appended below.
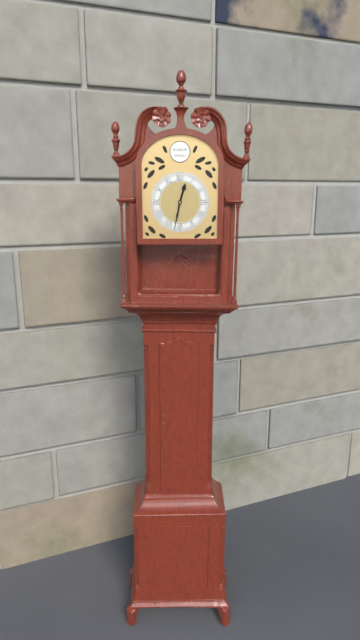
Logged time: {"hour": 12, "minute": 32}
